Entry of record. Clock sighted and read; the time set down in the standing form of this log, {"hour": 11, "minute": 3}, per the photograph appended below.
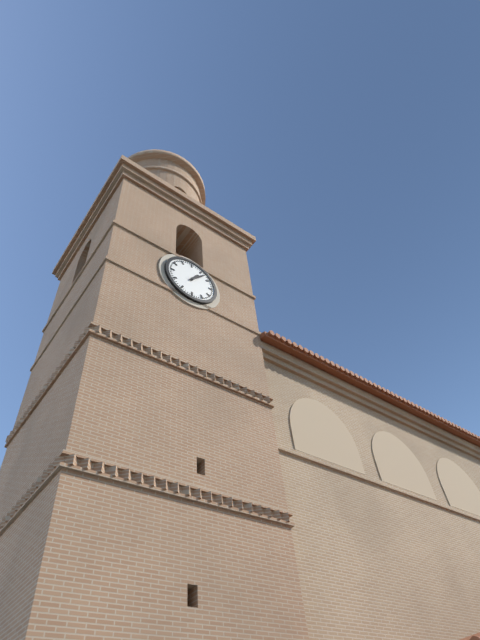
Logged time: {"hour": 1, "minute": 7}
